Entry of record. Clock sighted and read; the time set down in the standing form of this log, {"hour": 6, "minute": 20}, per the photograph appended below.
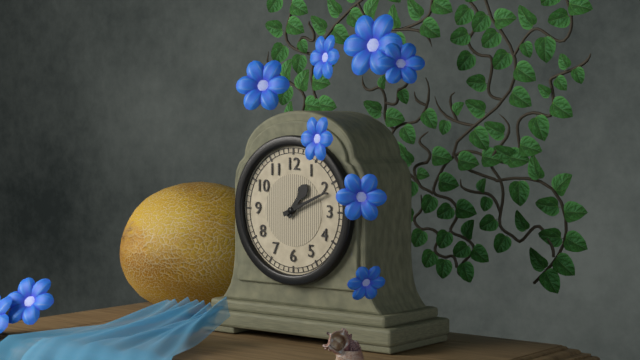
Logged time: {"hour": 1, "minute": 11}
